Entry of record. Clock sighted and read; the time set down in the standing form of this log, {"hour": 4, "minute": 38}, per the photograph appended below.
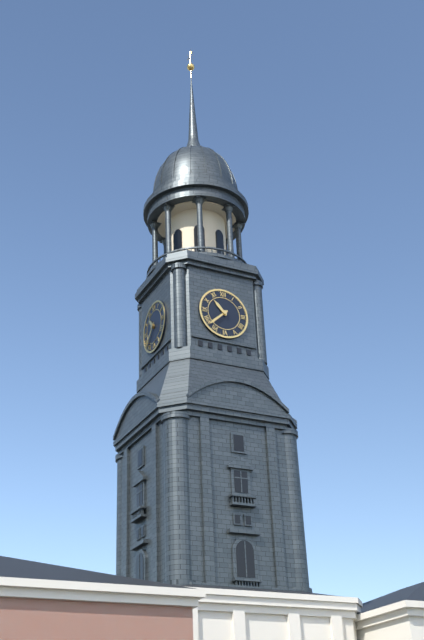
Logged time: {"hour": 10, "minute": 38}
